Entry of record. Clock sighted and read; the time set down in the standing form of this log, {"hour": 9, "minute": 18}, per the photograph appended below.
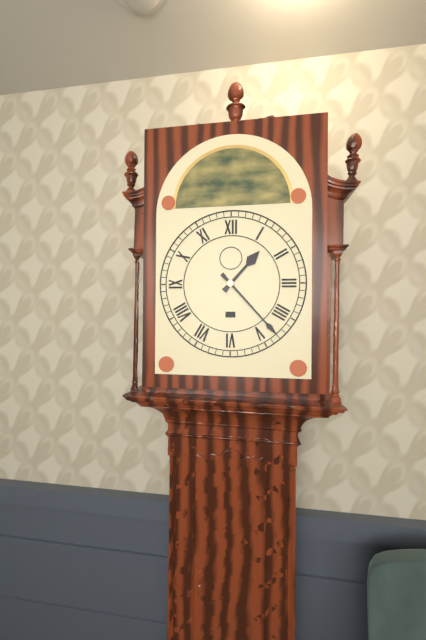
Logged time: {"hour": 1, "minute": 23}
